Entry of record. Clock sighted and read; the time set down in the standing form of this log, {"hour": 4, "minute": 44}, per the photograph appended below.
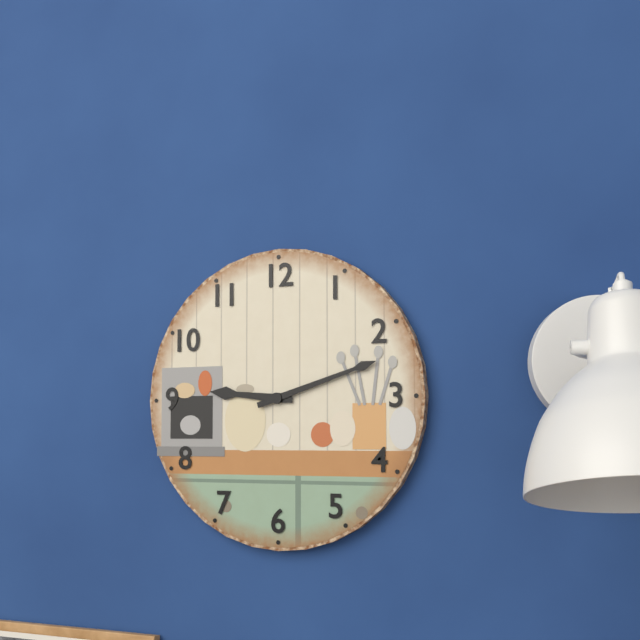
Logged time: {"hour": 9, "minute": 12}
